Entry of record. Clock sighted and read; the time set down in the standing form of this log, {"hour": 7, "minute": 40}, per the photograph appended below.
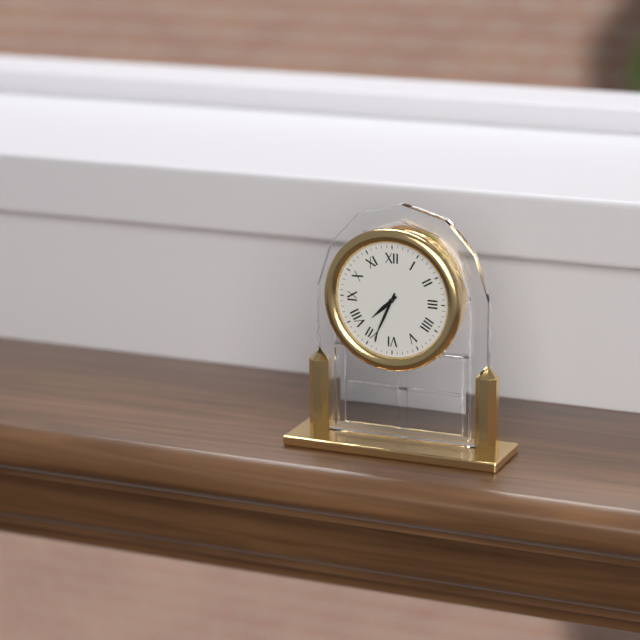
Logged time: {"hour": 7, "minute": 34}
